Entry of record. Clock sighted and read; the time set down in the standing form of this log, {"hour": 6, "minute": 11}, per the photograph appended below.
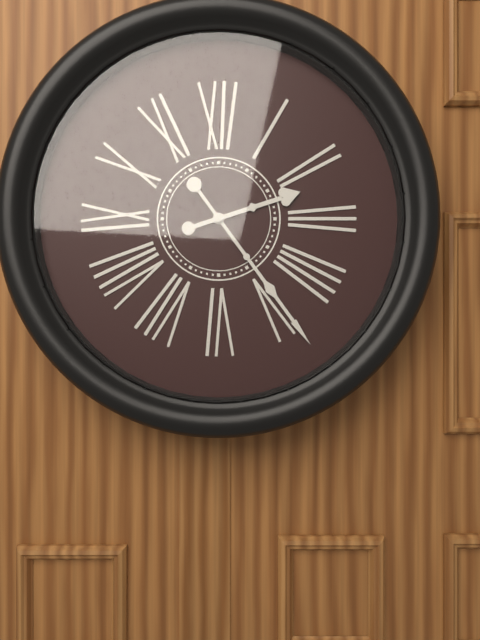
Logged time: {"hour": 2, "minute": 24}
